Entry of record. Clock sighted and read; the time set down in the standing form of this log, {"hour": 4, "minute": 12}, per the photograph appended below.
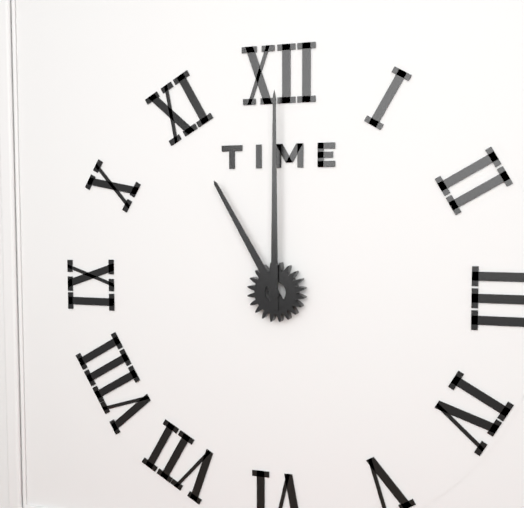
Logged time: {"hour": 11, "minute": 0}
